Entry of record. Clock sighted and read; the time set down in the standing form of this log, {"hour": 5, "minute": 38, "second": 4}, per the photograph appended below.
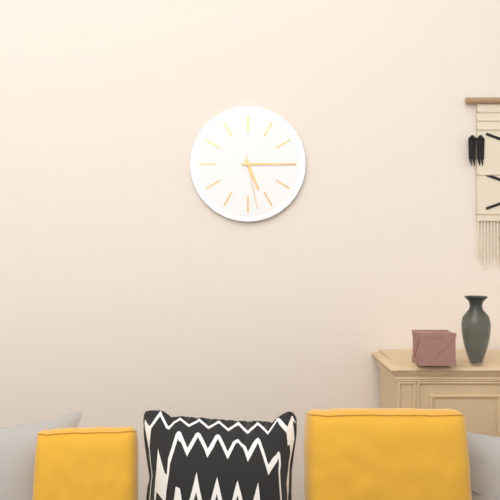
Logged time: {"hour": 5, "minute": 15, "second": 28}
